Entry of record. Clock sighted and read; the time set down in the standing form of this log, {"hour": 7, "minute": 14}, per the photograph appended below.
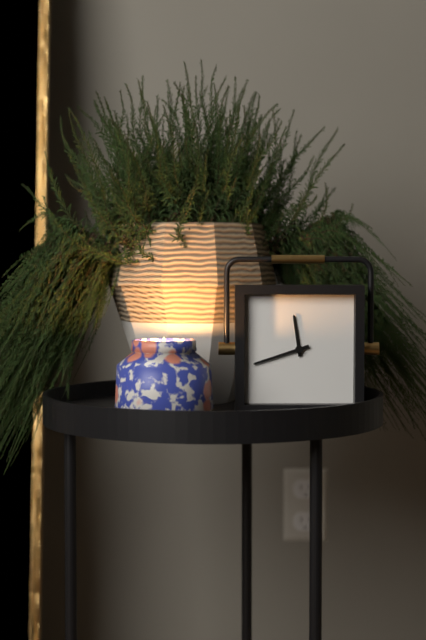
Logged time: {"hour": 11, "minute": 42}
